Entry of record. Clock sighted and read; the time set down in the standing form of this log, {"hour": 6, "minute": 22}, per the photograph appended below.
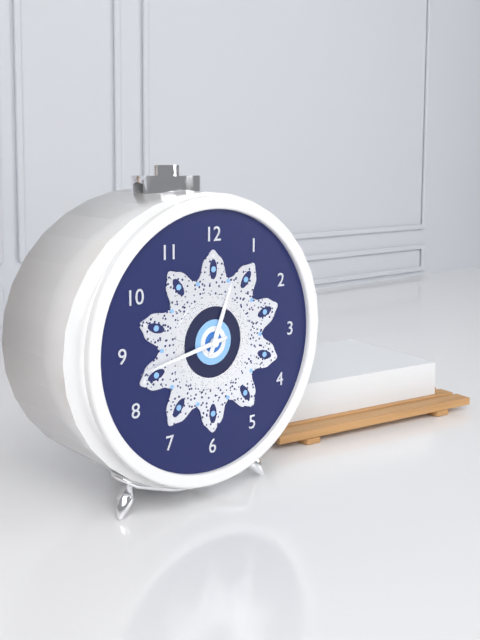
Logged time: {"hour": 12, "minute": 43}
